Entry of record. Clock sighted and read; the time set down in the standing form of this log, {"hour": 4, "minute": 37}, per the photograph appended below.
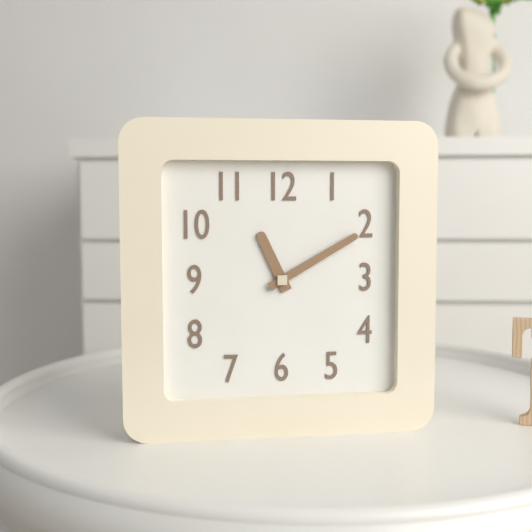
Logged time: {"hour": 11, "minute": 10}
